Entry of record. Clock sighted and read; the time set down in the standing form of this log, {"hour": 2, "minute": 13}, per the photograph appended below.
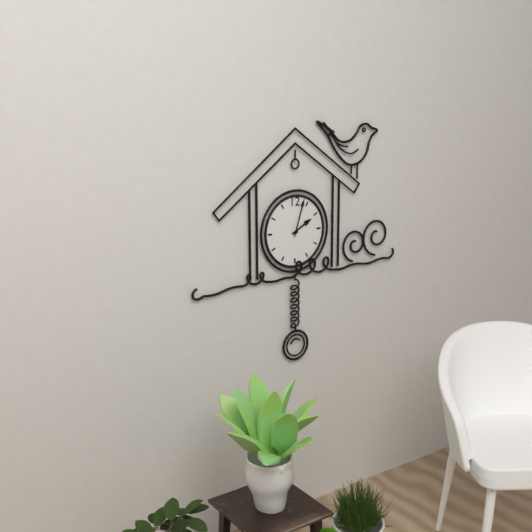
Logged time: {"hour": 2, "minute": 3}
